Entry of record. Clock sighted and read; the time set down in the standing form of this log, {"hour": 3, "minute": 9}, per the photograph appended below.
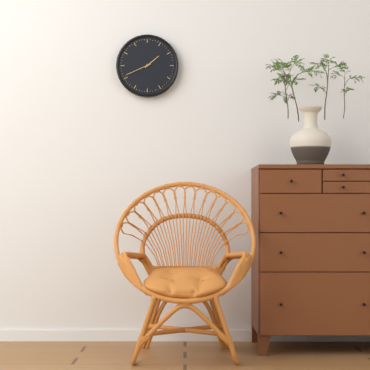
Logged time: {"hour": 1, "minute": 41}
